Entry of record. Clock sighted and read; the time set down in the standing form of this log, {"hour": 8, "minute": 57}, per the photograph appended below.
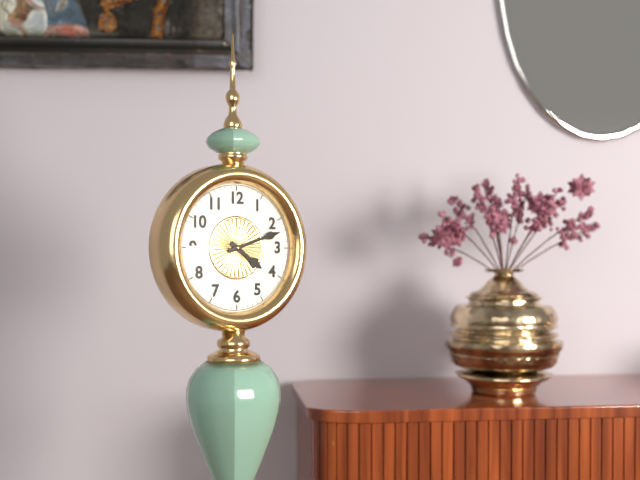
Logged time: {"hour": 4, "minute": 12}
